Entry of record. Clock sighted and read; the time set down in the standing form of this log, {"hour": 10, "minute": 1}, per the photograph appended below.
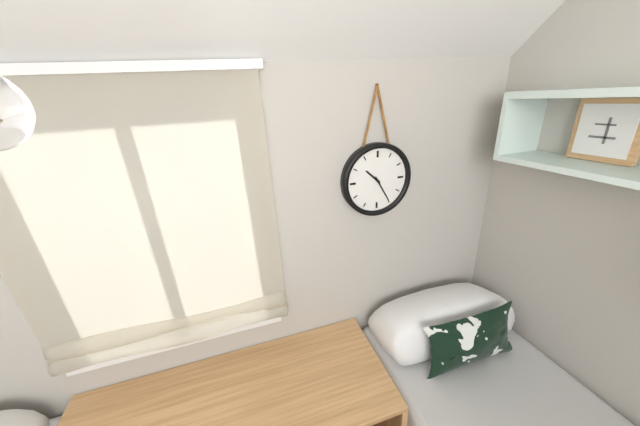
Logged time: {"hour": 10, "minute": 25}
